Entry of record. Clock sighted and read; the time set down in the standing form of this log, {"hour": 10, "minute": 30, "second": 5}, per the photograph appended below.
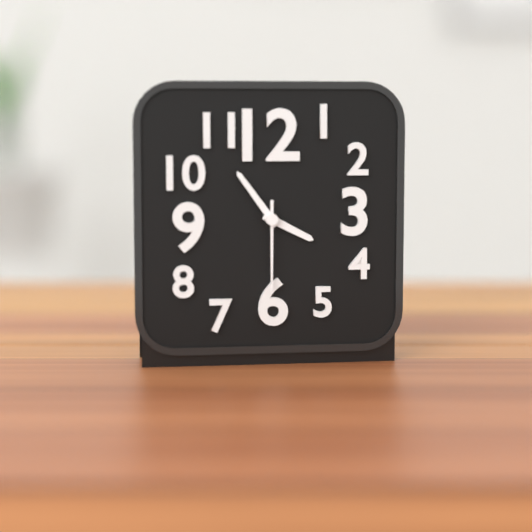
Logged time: {"hour": 3, "minute": 54, "second": 30}
